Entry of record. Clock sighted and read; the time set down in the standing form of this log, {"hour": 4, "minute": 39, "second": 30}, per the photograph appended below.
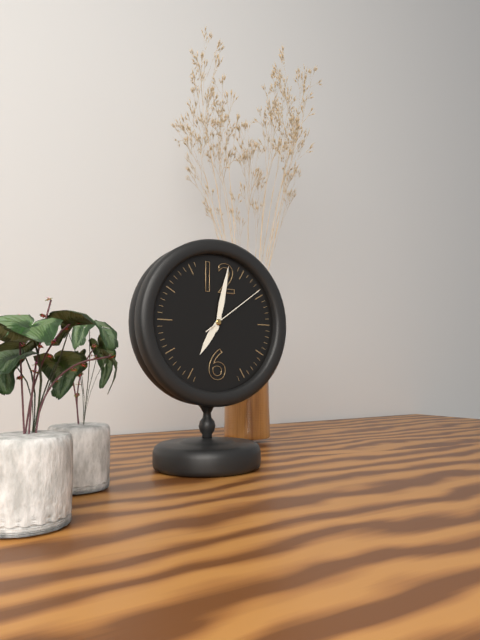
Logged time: {"hour": 7, "minute": 2, "second": 9}
